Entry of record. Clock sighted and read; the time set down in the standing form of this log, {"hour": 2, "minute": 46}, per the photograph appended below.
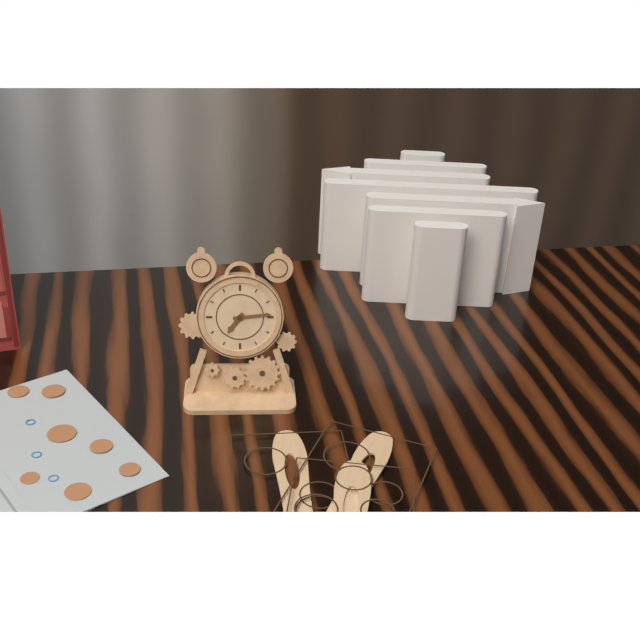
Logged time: {"hour": 7, "minute": 14}
